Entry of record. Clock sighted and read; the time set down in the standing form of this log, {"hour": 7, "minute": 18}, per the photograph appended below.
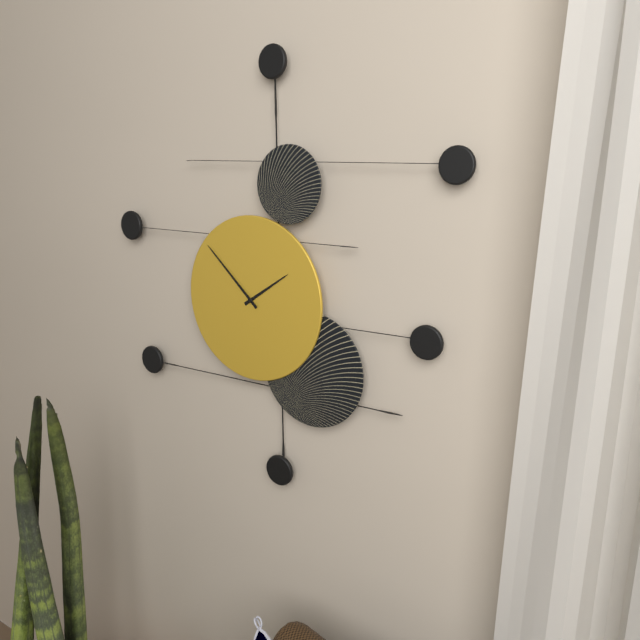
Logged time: {"hour": 1, "minute": 52}
